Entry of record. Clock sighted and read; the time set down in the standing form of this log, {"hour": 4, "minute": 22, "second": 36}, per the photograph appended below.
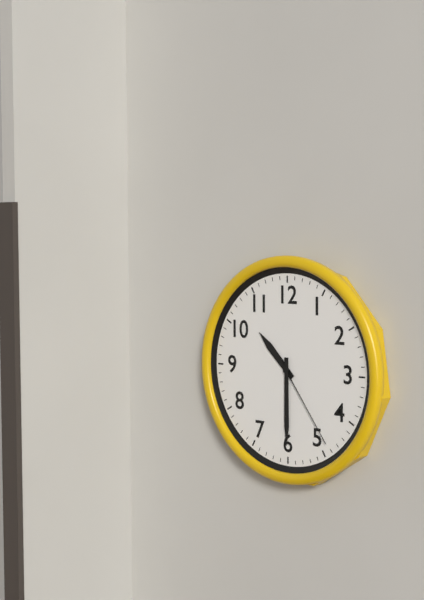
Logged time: {"hour": 10, "minute": 30, "second": 24}
